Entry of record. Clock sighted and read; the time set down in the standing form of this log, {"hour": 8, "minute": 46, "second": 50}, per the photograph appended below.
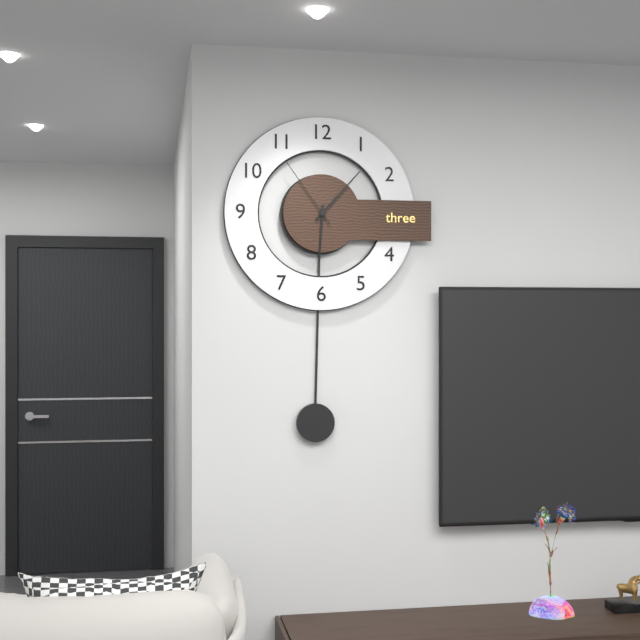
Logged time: {"hour": 6, "minute": 7, "second": 54}
